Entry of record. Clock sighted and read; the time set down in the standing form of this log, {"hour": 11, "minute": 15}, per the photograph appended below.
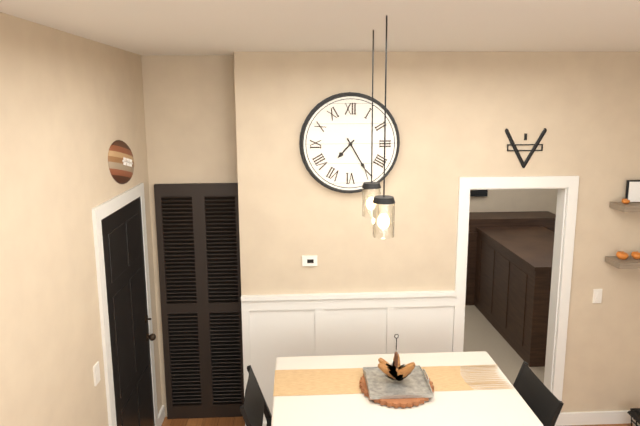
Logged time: {"hour": 7, "minute": 25}
